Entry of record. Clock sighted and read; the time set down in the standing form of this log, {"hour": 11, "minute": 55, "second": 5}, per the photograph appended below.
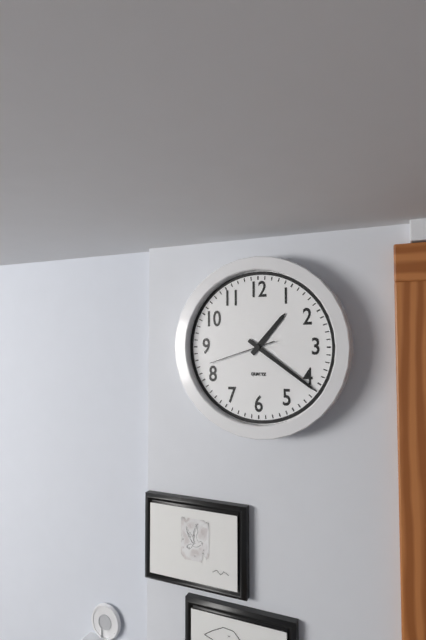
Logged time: {"hour": 1, "minute": 21, "second": 42}
